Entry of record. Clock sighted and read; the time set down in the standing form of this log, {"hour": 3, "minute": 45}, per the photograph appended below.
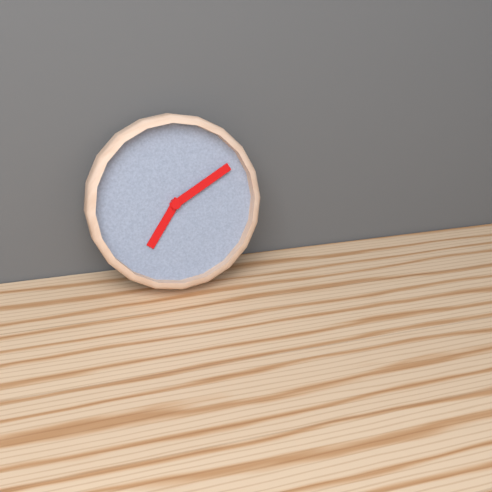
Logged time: {"hour": 7, "minute": 10}
